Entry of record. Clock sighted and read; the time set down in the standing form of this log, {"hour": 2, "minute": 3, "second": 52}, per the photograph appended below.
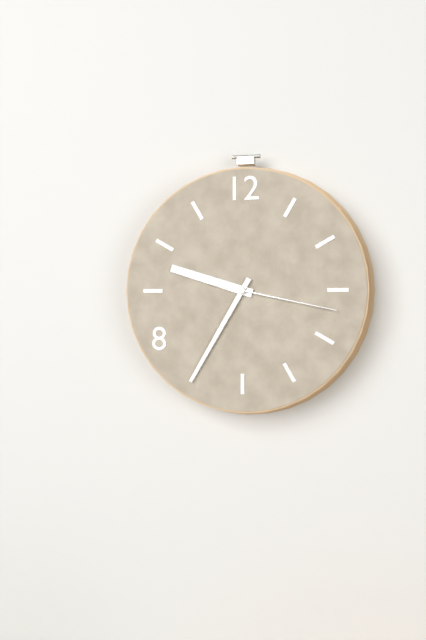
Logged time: {"hour": 9, "minute": 35, "second": 17}
